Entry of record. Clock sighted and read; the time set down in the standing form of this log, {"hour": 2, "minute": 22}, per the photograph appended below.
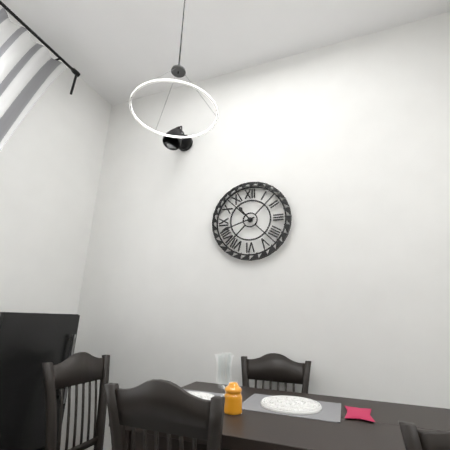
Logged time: {"hour": 10, "minute": 42}
